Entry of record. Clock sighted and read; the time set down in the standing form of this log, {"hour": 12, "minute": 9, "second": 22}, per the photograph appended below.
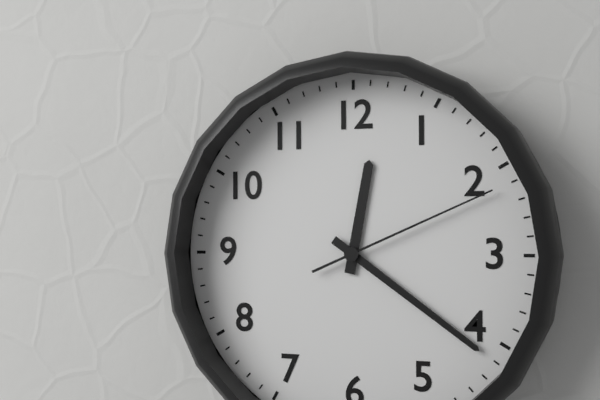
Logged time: {"hour": 12, "minute": 21, "second": 11}
